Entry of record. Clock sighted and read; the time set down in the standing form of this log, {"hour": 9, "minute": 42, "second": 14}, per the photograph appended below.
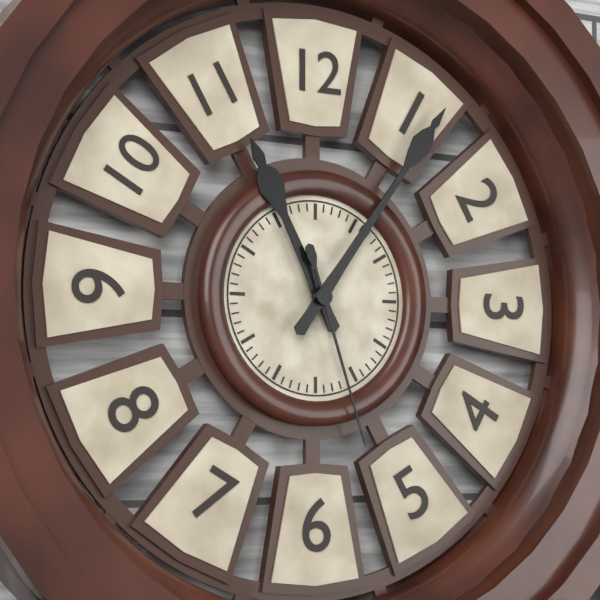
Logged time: {"hour": 11, "minute": 6, "second": 27}
